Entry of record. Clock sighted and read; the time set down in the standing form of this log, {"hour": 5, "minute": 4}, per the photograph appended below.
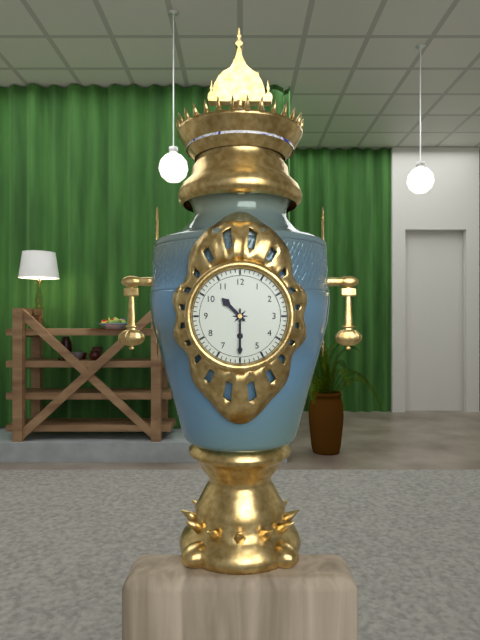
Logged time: {"hour": 10, "minute": 30}
